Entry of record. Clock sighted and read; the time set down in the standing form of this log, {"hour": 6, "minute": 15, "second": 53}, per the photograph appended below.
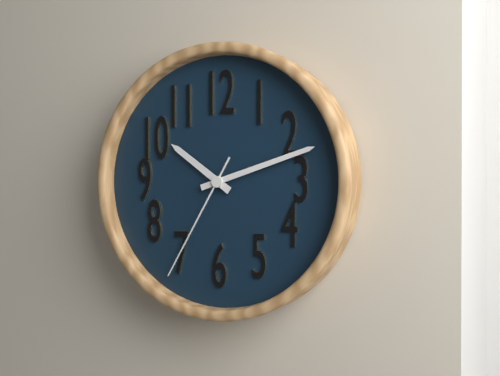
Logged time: {"hour": 10, "minute": 12, "second": 35}
